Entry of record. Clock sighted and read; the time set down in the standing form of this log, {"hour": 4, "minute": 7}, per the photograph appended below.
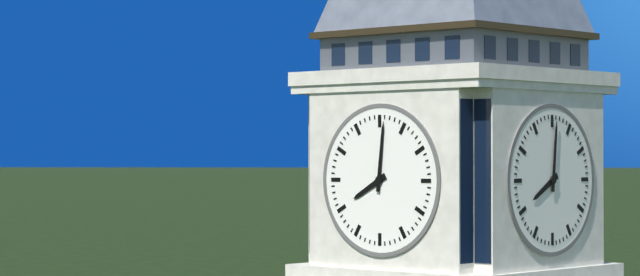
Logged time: {"hour": 8, "minute": 1}
